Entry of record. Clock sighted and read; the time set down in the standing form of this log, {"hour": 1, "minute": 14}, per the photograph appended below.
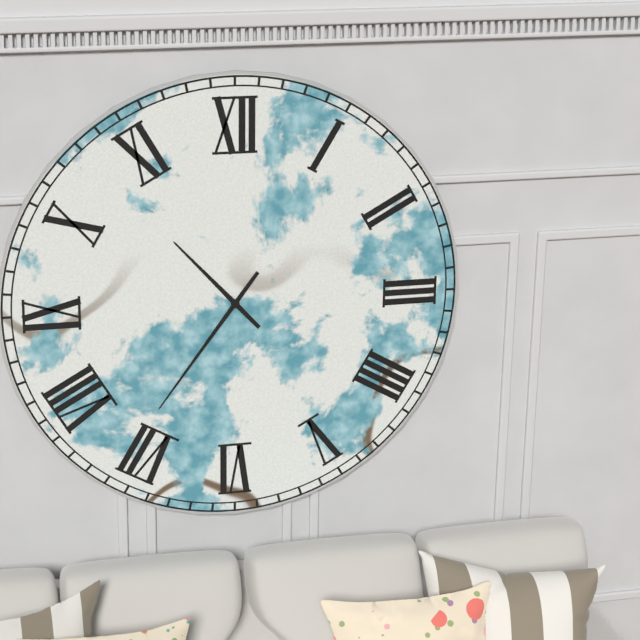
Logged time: {"hour": 10, "minute": 36}
